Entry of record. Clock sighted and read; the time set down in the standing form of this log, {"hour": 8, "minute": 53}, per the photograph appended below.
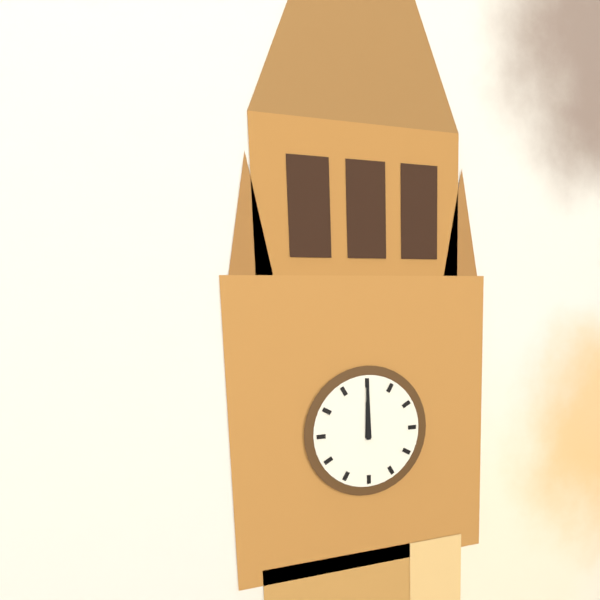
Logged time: {"hour": 12, "minute": 0}
